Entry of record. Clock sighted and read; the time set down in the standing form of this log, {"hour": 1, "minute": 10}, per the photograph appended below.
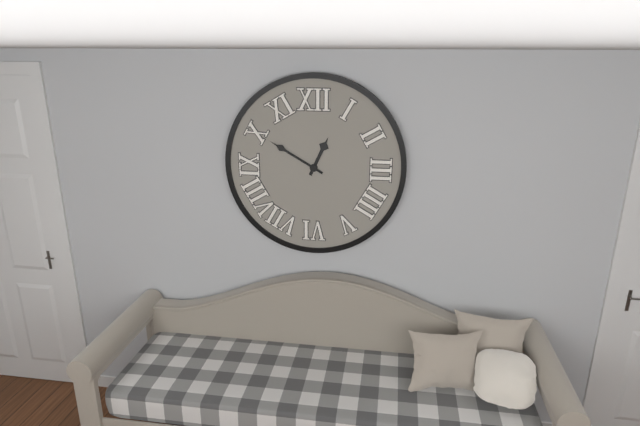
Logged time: {"hour": 12, "minute": 50}
